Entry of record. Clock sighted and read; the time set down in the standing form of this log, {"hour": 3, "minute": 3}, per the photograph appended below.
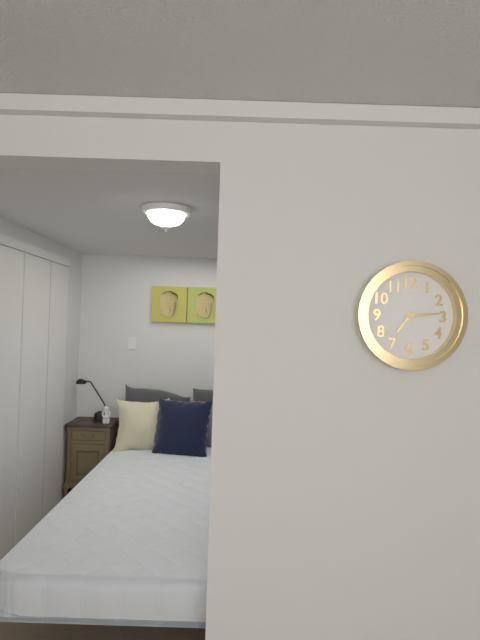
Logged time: {"hour": 7, "minute": 14}
